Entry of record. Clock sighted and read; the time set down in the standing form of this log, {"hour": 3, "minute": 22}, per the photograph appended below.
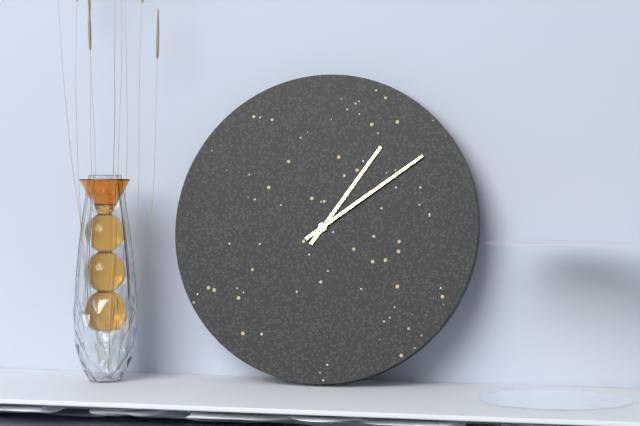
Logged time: {"hour": 1, "minute": 9}
